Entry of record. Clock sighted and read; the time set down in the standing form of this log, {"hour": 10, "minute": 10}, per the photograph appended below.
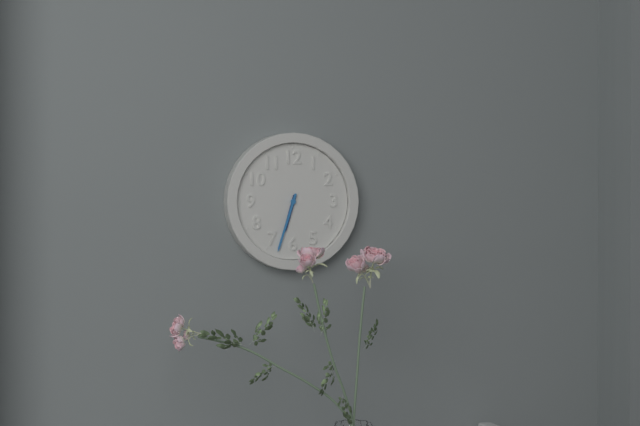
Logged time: {"hour": 6, "minute": 33}
